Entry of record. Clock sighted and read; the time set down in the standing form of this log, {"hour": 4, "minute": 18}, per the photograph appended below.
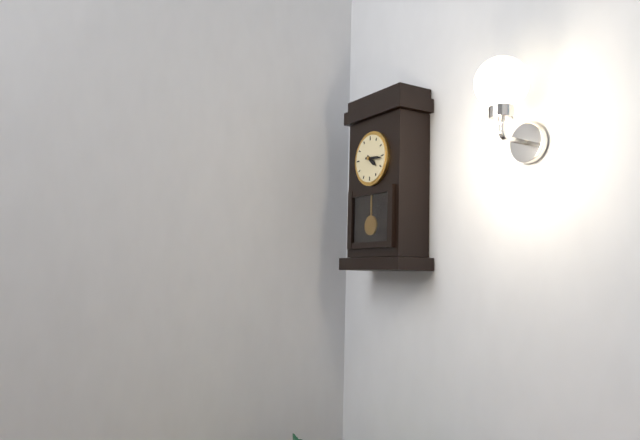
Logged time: {"hour": 4, "minute": 16}
